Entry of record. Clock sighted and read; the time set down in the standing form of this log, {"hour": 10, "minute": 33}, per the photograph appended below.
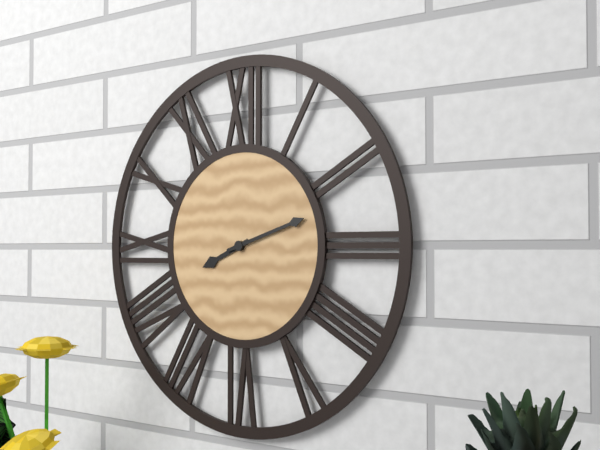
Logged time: {"hour": 8, "minute": 12}
